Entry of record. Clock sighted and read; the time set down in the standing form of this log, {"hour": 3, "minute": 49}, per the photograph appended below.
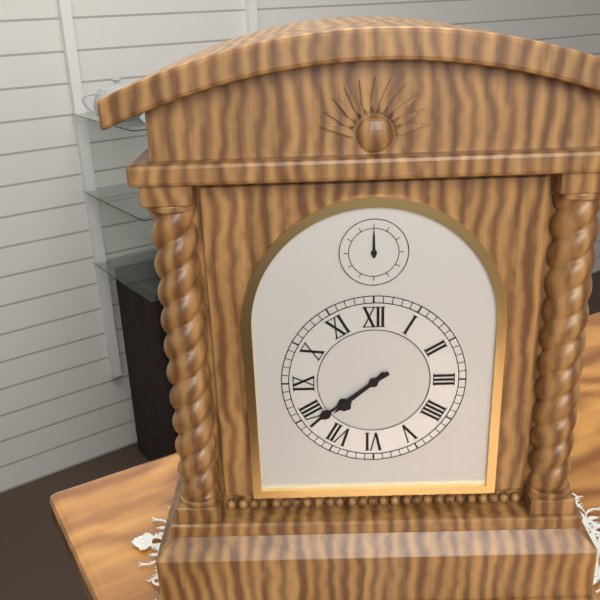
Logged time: {"hour": 7, "minute": 39}
